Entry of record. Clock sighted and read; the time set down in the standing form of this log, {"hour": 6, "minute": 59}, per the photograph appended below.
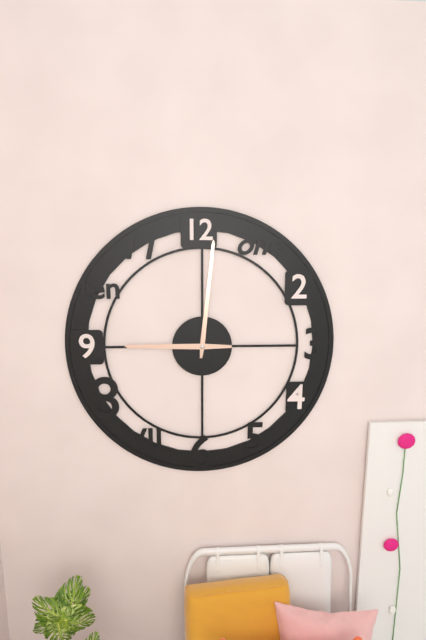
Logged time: {"hour": 9, "minute": 1}
